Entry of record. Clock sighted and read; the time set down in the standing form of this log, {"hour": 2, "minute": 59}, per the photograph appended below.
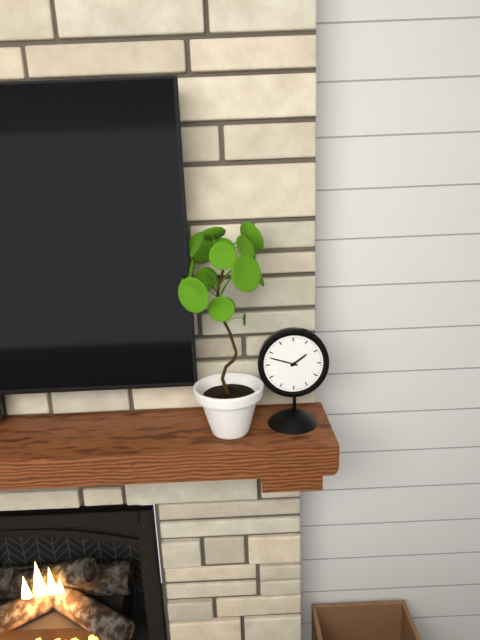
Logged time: {"hour": 1, "minute": 48}
